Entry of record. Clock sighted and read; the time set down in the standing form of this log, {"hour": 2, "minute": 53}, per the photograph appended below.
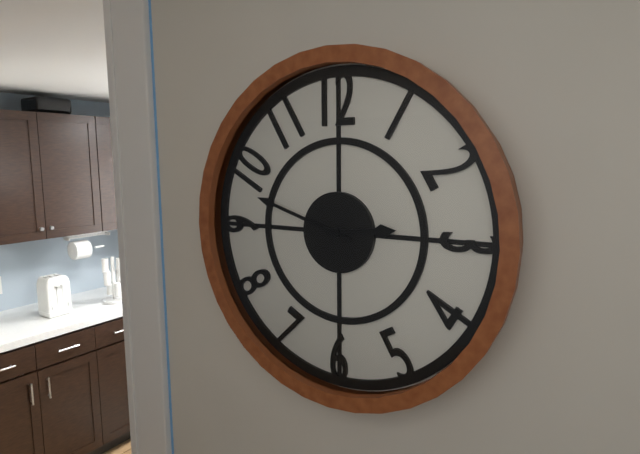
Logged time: {"hour": 2, "minute": 48}
